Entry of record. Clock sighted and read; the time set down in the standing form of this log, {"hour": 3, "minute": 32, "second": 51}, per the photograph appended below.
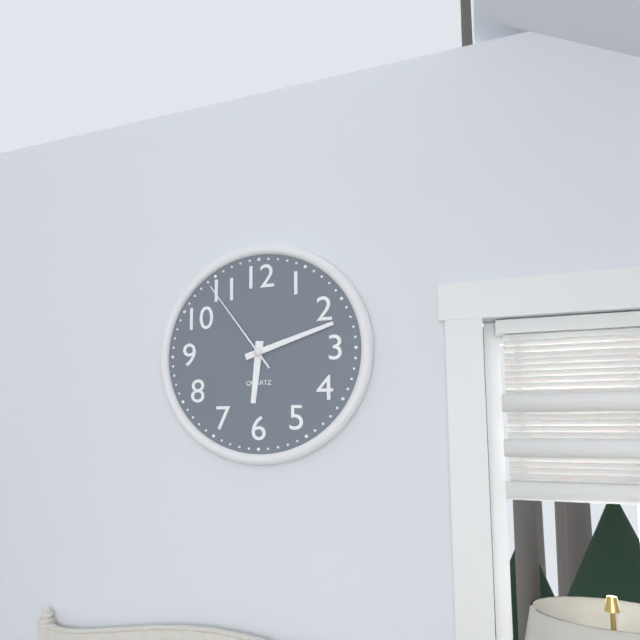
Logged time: {"hour": 6, "minute": 12, "second": 54}
